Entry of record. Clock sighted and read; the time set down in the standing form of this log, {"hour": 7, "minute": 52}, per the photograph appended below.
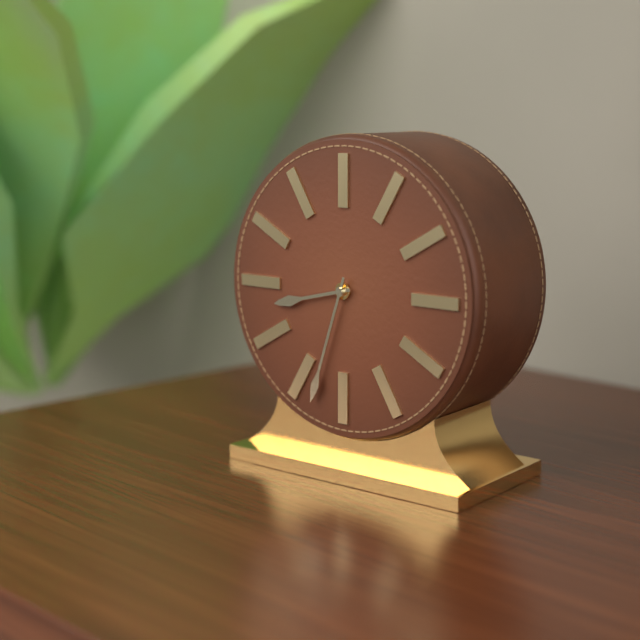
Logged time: {"hour": 8, "minute": 33}
